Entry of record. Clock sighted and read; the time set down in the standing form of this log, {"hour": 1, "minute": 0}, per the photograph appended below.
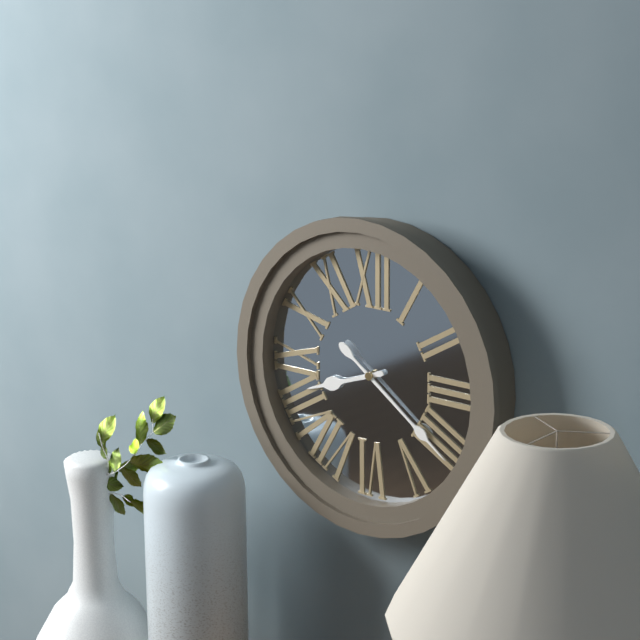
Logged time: {"hour": 8, "minute": 21}
